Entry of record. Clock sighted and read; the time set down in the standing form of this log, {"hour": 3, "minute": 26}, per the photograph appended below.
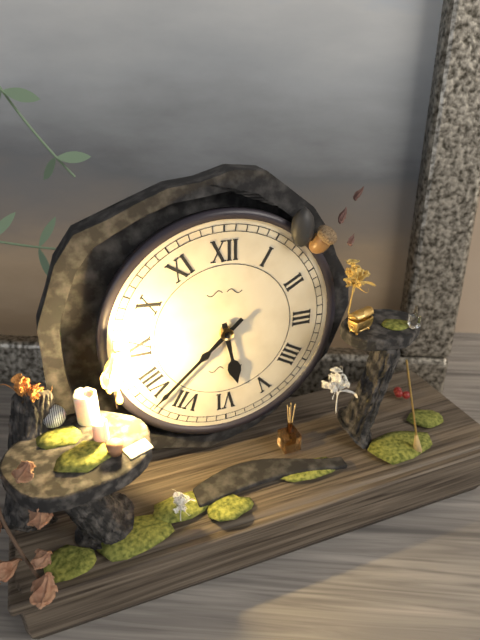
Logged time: {"hour": 5, "minute": 38}
